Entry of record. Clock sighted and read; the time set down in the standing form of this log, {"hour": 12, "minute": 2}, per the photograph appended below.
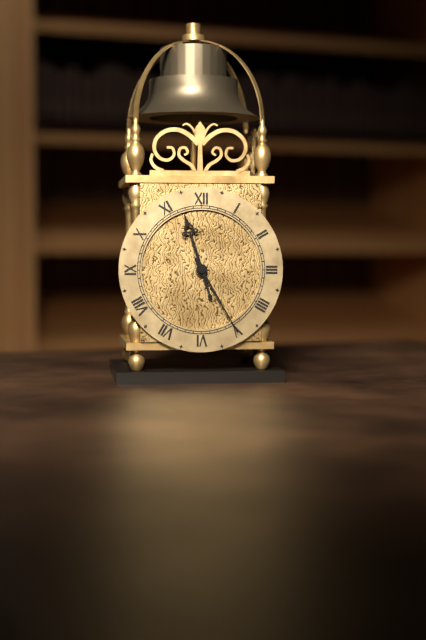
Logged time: {"hour": 11, "minute": 25}
